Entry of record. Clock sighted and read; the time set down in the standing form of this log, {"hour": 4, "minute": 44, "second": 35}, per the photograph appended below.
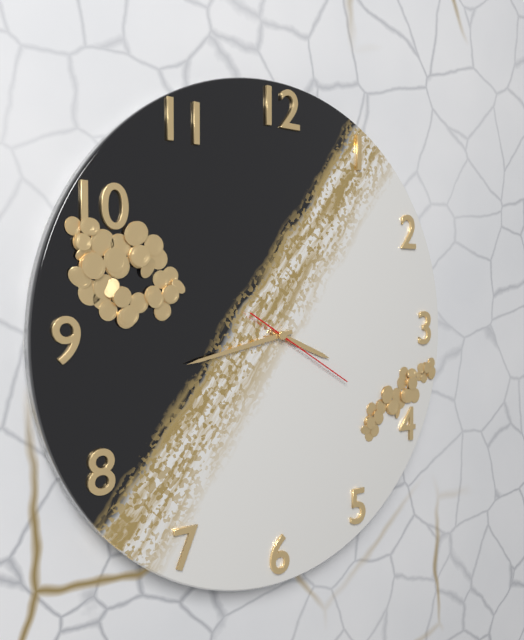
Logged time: {"hour": 3, "minute": 43, "second": 20}
